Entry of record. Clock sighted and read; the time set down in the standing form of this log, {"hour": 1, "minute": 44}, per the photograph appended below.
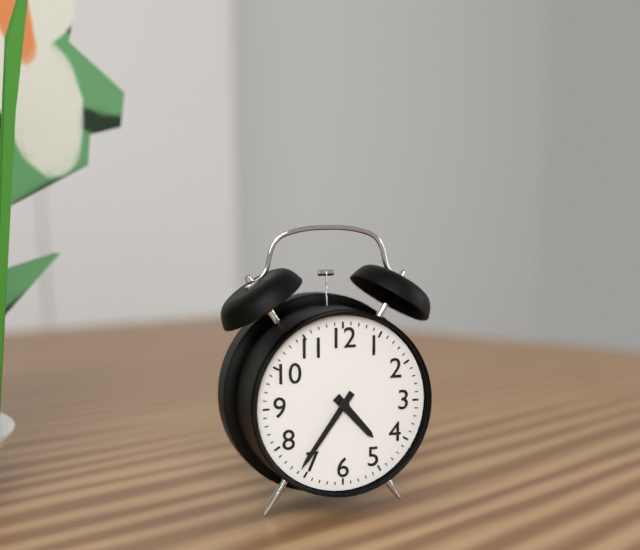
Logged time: {"hour": 4, "minute": 36}
